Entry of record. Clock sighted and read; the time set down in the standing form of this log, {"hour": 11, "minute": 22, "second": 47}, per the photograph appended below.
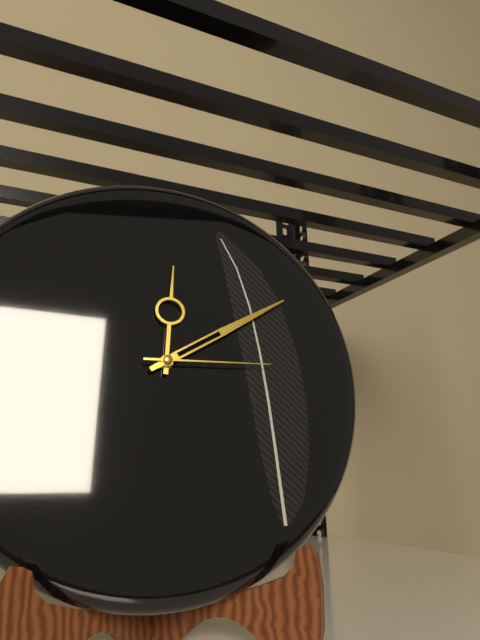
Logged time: {"hour": 12, "minute": 10, "second": 15}
